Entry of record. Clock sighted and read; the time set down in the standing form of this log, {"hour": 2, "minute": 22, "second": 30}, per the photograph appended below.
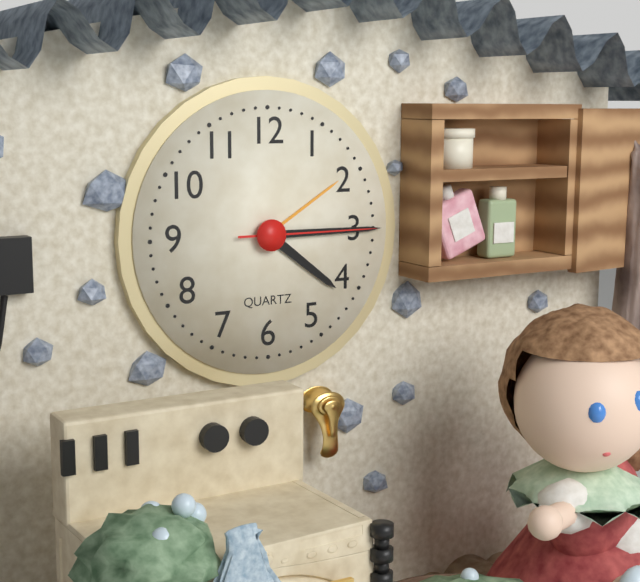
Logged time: {"hour": 4, "minute": 15, "second": 15}
